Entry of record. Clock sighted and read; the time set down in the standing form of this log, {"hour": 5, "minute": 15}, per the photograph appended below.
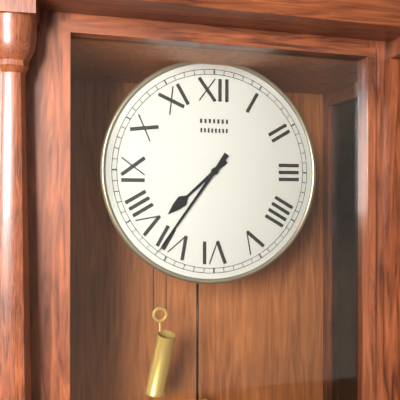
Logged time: {"hour": 7, "minute": 36}
